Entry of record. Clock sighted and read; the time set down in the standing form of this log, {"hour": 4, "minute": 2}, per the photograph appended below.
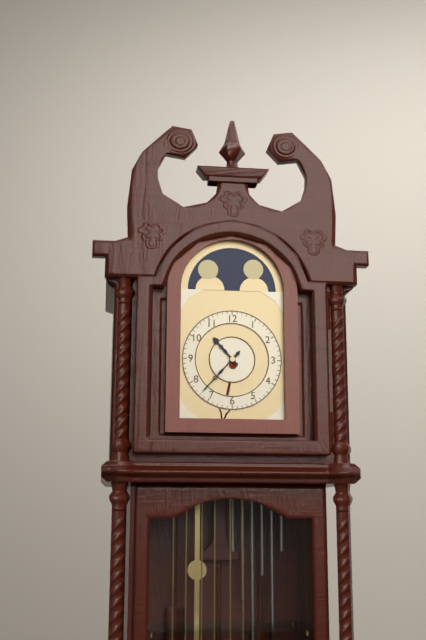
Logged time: {"hour": 10, "minute": 37}
